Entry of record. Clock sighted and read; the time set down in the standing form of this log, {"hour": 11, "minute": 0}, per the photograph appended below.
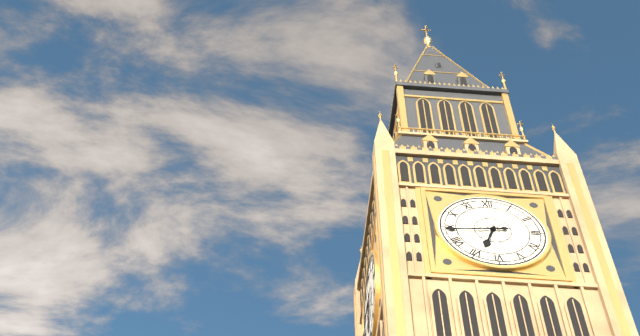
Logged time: {"hour": 6, "minute": 44}
